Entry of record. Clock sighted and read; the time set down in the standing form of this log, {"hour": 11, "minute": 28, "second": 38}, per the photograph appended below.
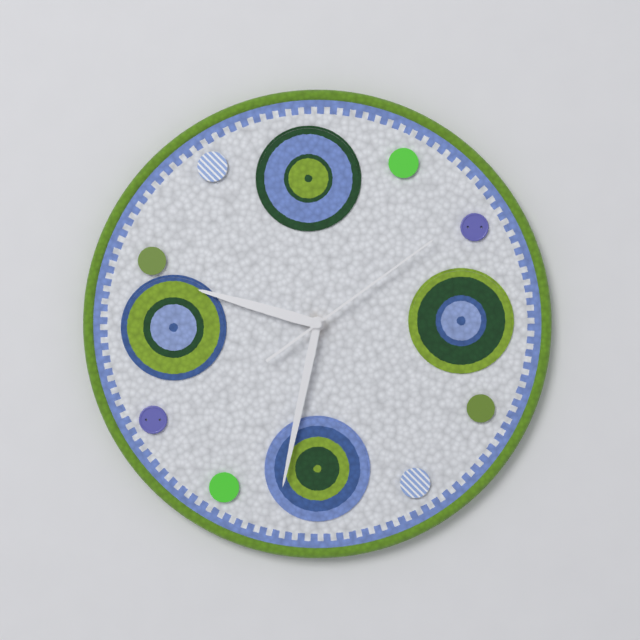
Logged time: {"hour": 9, "minute": 32, "second": 9}
